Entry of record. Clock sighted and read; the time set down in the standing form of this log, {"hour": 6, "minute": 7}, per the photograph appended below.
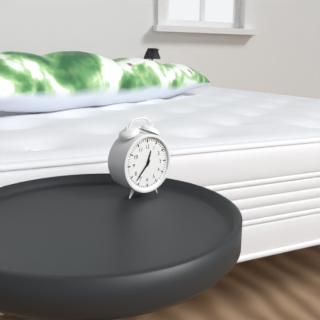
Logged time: {"hour": 12, "minute": 37}
